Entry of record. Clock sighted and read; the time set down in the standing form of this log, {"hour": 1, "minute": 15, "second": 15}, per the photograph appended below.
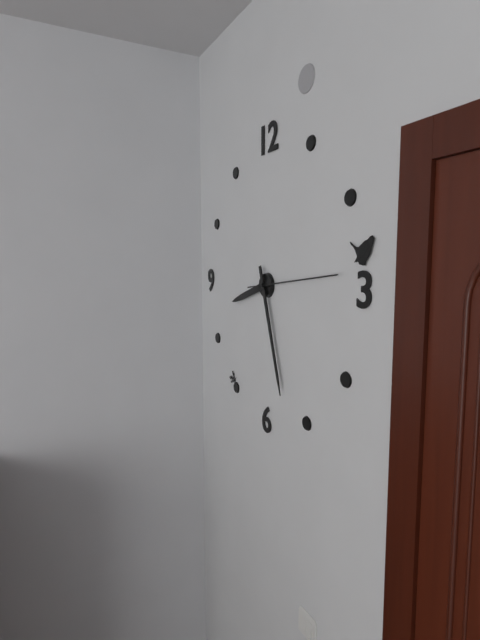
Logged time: {"hour": 8, "minute": 27, "second": 14}
